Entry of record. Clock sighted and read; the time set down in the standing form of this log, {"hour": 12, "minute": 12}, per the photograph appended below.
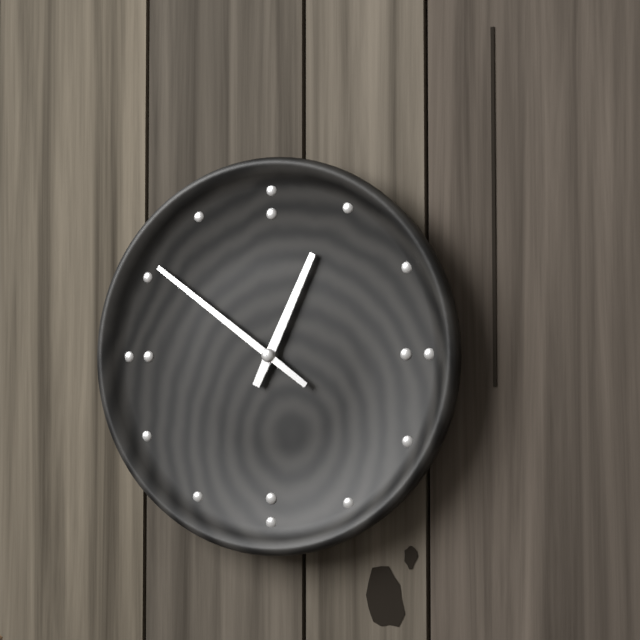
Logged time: {"hour": 12, "minute": 51}
